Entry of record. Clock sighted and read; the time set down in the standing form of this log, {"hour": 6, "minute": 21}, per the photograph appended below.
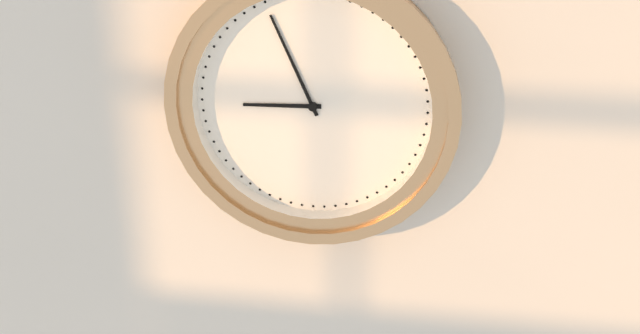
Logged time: {"hour": 8, "minute": 56}
